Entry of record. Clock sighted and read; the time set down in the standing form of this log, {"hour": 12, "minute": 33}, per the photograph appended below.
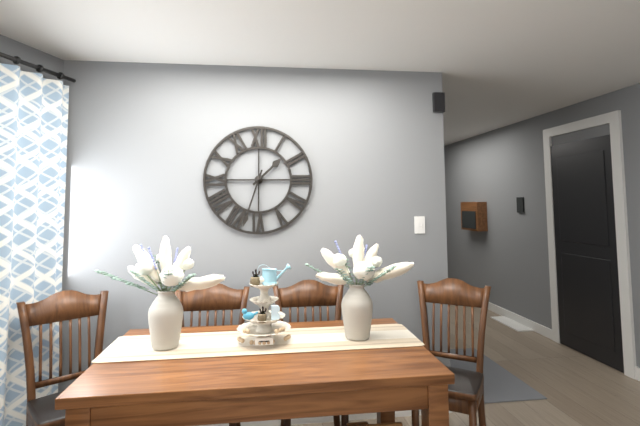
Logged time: {"hour": 1, "minute": 33}
